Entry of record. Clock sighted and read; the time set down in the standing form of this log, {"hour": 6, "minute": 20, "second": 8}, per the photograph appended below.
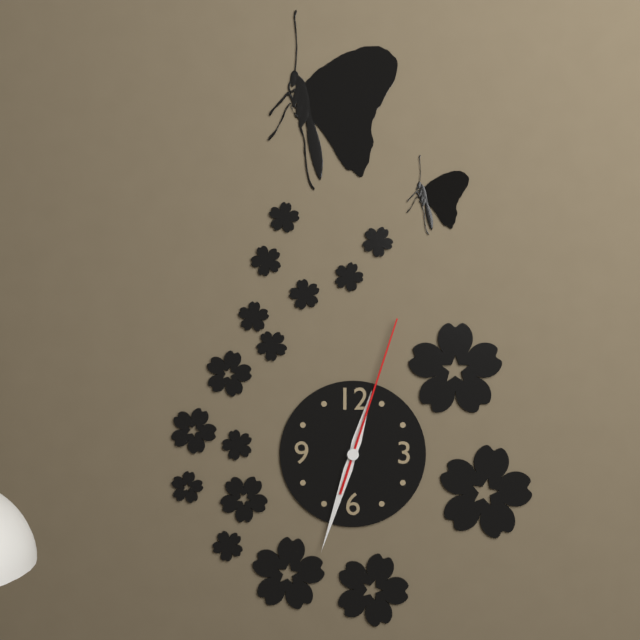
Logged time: {"hour": 12, "minute": 33, "second": 3}
